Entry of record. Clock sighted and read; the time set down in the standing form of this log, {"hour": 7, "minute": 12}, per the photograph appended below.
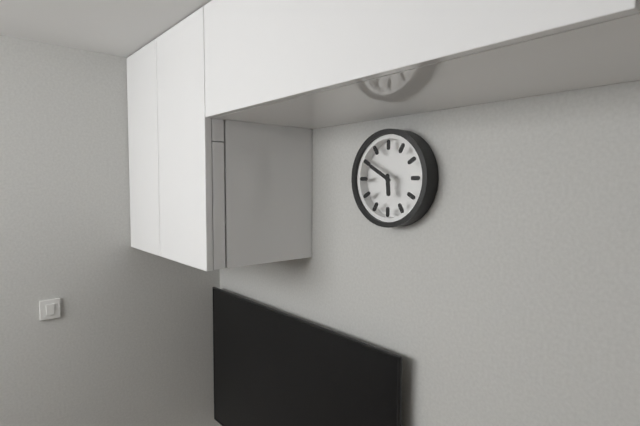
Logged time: {"hour": 5, "minute": 50}
